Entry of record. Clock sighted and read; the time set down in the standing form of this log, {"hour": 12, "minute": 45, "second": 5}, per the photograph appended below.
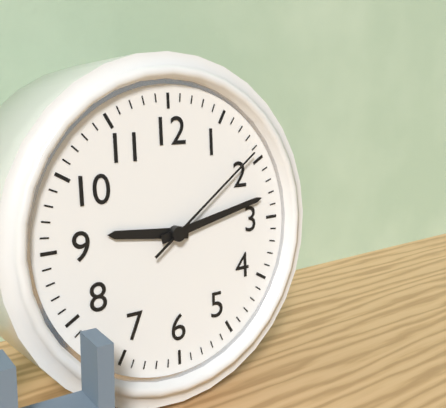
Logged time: {"hour": 9, "minute": 13, "second": 9}
